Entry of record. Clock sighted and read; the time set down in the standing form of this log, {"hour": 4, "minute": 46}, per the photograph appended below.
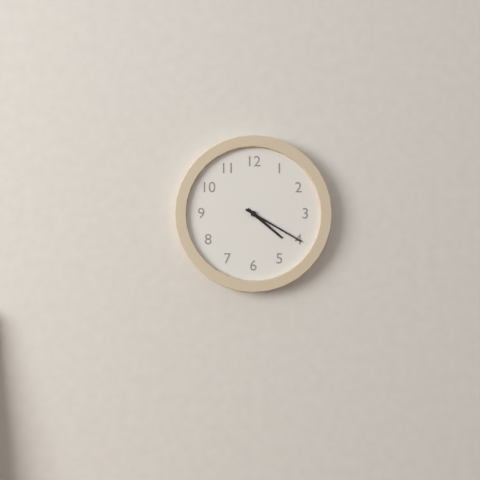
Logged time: {"hour": 4, "minute": 20}
